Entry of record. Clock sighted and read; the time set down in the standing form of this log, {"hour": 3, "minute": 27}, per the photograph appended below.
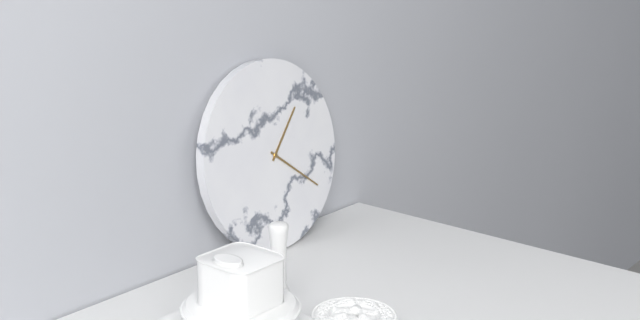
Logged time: {"hour": 1, "minute": 21}
